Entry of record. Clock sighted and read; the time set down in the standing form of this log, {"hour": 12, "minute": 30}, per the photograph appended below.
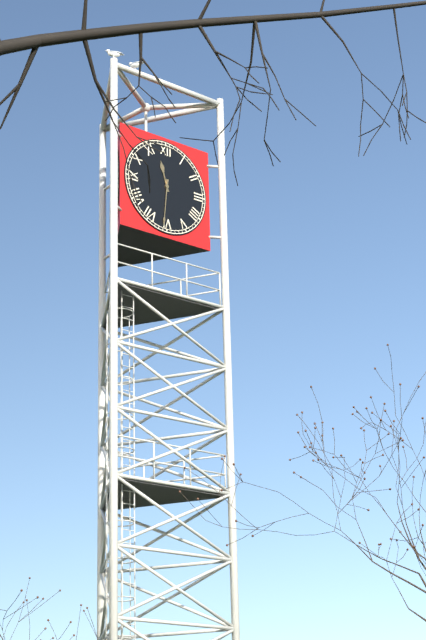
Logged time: {"hour": 11, "minute": 31}
